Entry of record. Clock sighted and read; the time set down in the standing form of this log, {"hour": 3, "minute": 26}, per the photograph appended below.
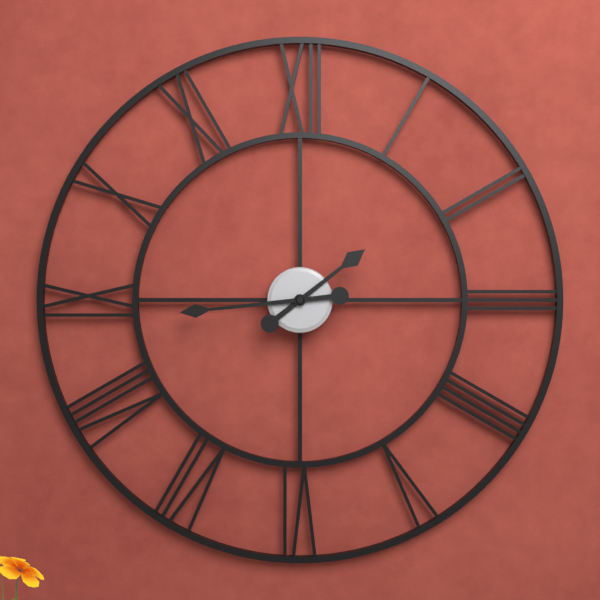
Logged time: {"hour": 1, "minute": 44}
